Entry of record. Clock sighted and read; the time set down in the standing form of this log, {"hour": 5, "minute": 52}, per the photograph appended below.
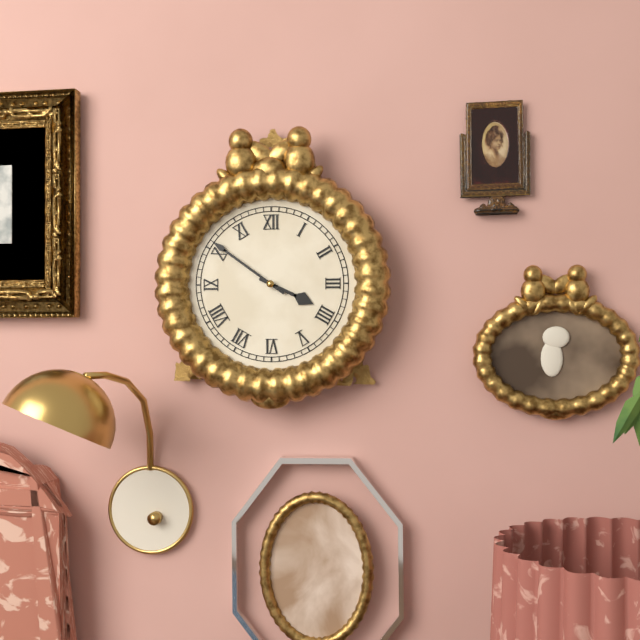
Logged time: {"hour": 3, "minute": 51}
